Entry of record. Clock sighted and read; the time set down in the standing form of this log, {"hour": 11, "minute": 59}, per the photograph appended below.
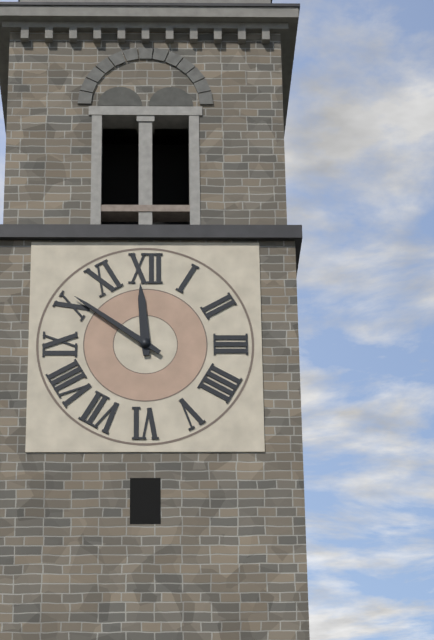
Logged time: {"hour": 11, "minute": 51}
